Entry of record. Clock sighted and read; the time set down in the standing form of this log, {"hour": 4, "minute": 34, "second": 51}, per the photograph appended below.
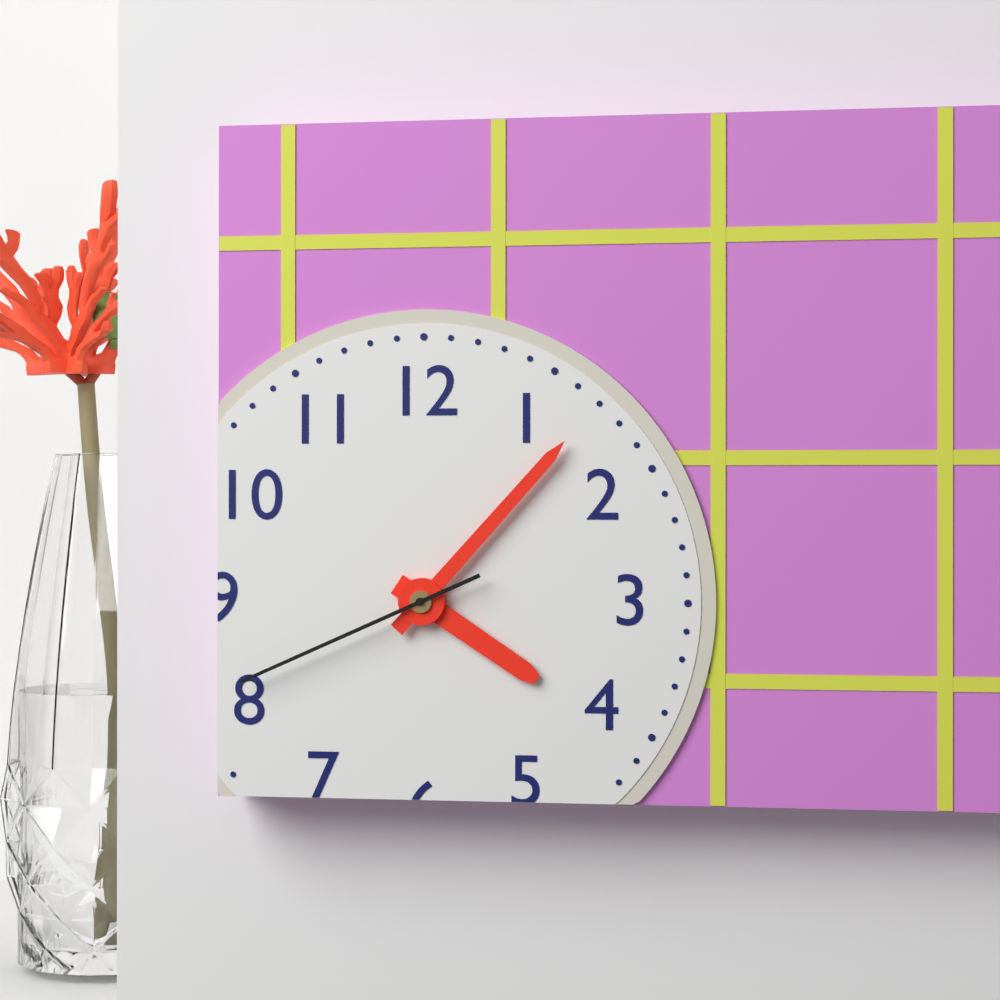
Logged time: {"hour": 4, "minute": 7, "second": 41}
